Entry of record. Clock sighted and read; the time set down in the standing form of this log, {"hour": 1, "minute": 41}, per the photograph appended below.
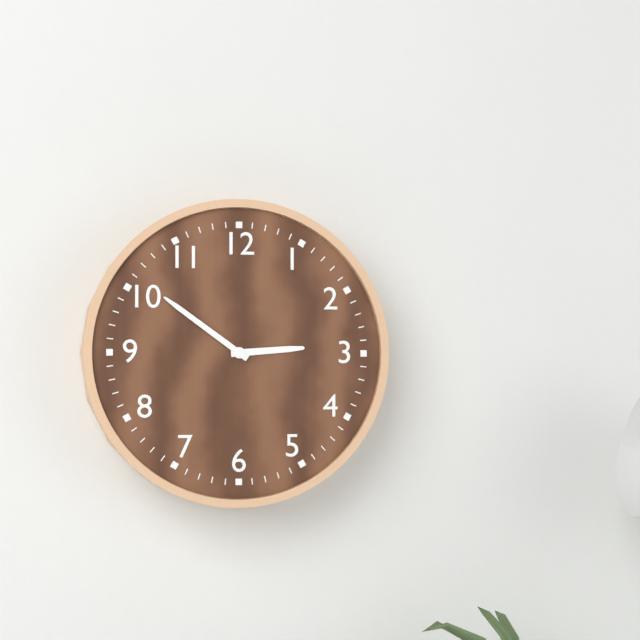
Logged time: {"hour": 2, "minute": 51}
